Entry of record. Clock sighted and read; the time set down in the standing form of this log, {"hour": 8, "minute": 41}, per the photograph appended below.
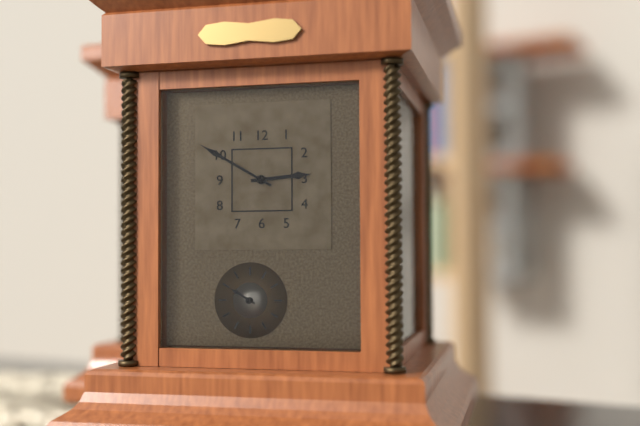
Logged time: {"hour": 2, "minute": 50}
